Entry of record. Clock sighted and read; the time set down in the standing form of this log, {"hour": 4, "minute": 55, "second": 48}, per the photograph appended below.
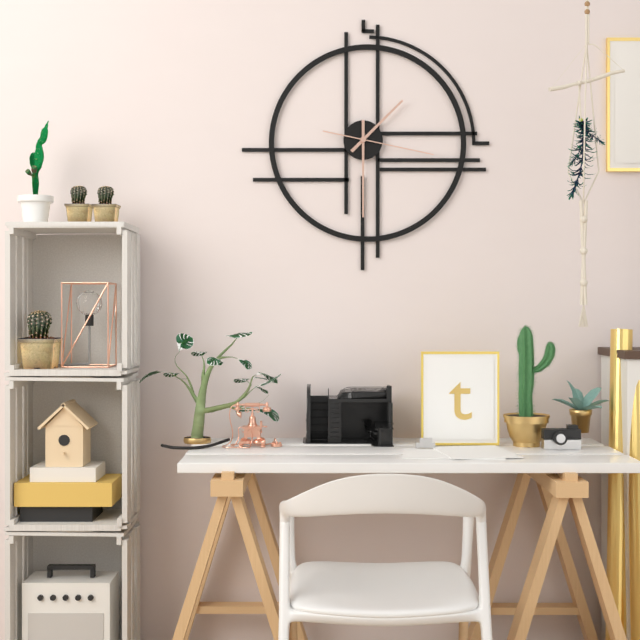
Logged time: {"hour": 1, "minute": 30, "second": 17}
